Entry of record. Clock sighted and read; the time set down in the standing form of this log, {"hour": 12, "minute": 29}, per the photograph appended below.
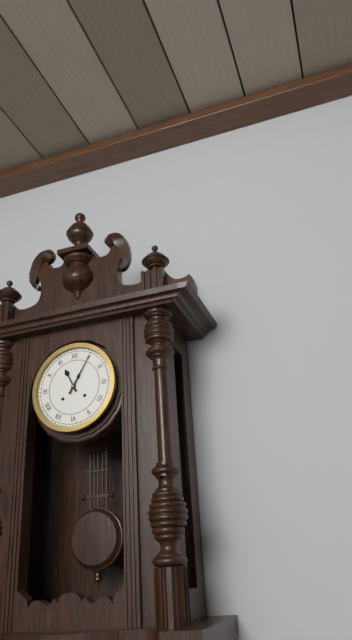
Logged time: {"hour": 11, "minute": 5}
